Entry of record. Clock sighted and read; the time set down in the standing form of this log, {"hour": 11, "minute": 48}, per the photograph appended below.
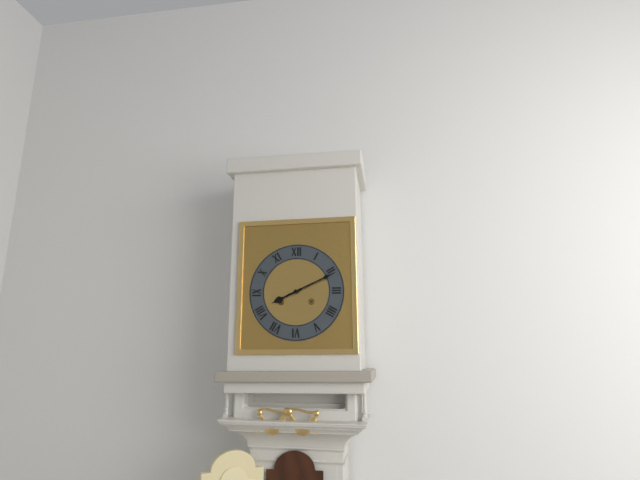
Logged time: {"hour": 8, "minute": 11}
